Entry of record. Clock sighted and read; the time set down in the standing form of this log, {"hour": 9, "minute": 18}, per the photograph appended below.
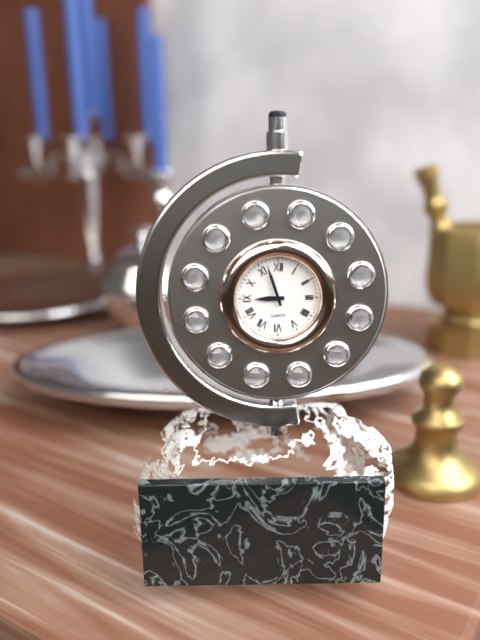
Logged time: {"hour": 8, "minute": 57}
